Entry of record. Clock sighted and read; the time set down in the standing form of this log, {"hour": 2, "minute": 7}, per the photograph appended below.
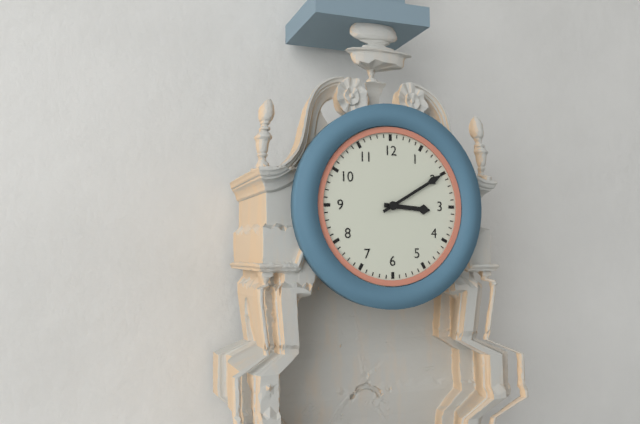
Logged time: {"hour": 3, "minute": 10}
